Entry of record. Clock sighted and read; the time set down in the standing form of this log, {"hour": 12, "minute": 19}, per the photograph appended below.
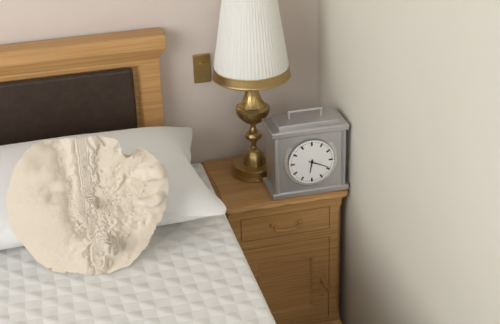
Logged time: {"hour": 6, "minute": 19}
